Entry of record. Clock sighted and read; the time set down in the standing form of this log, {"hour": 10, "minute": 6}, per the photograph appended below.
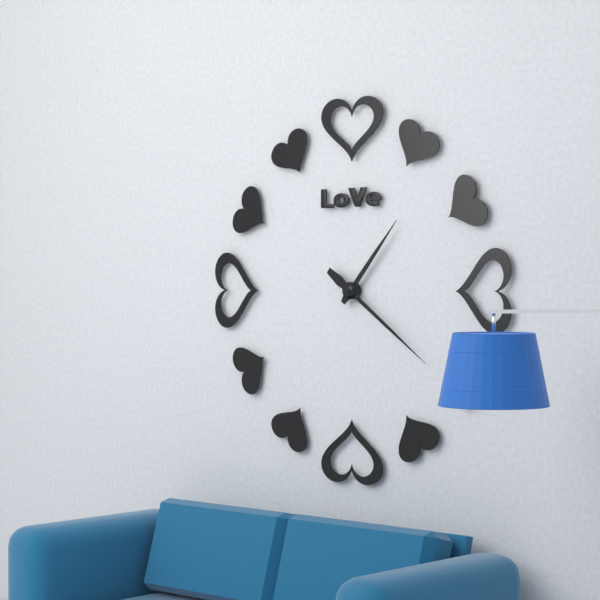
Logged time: {"hour": 1, "minute": 21}
